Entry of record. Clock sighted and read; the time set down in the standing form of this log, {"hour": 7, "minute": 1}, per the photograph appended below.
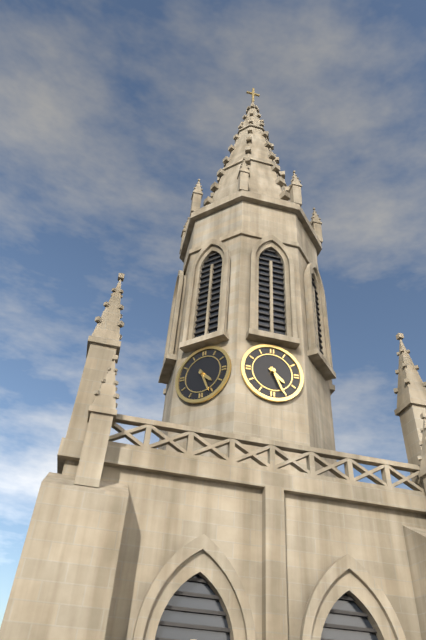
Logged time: {"hour": 4, "minute": 26}
